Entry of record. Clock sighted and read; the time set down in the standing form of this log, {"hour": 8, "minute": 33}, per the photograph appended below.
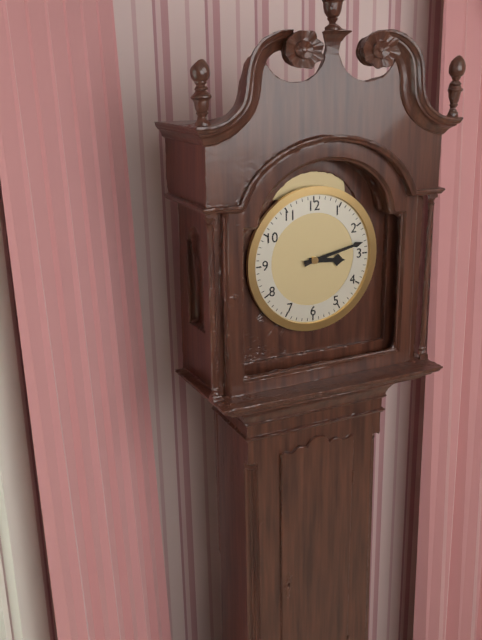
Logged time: {"hour": 3, "minute": 13}
